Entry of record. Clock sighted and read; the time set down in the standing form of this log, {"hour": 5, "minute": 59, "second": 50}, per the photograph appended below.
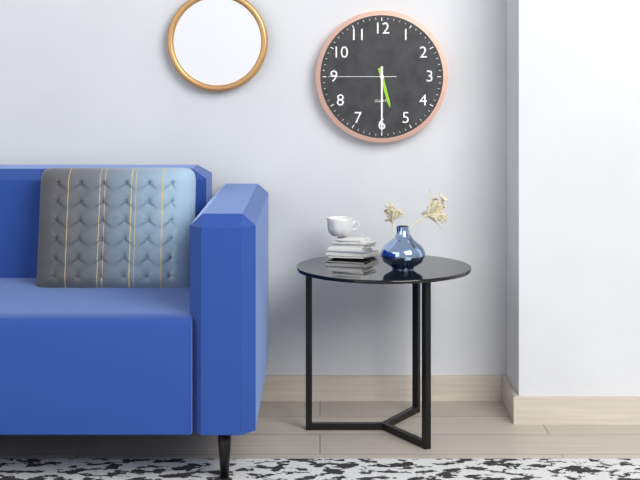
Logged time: {"hour": 5, "minute": 30, "second": 45}
